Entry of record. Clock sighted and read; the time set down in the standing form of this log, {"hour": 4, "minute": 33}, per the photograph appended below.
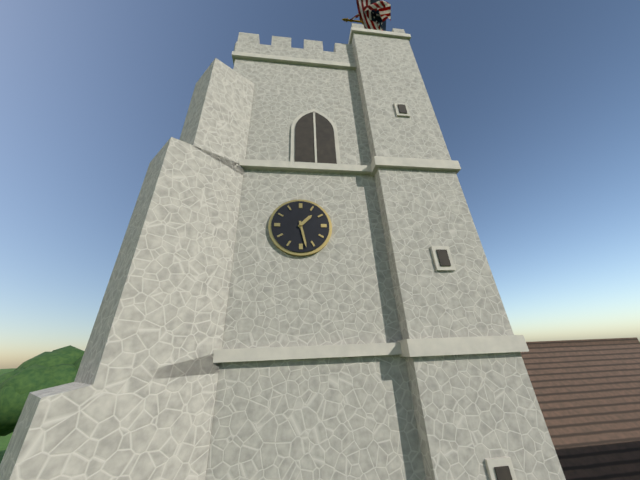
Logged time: {"hour": 1, "minute": 28}
